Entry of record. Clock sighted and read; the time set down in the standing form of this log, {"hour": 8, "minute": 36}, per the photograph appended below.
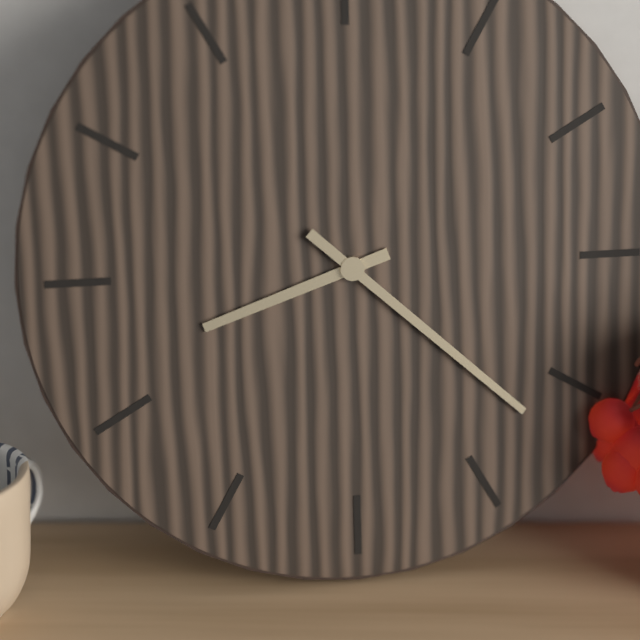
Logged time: {"hour": 8, "minute": 22}
